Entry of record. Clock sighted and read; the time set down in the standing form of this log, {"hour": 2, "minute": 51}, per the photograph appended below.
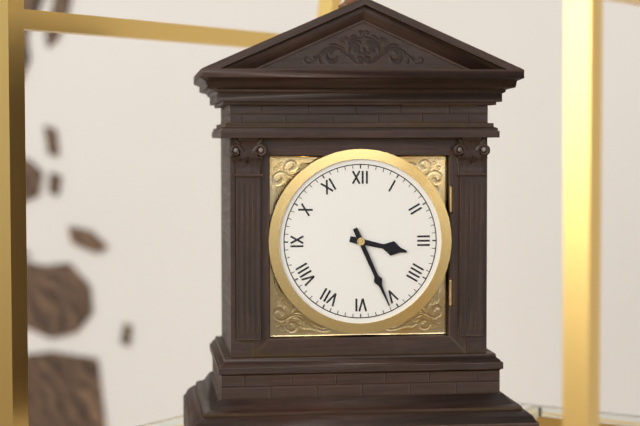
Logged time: {"hour": 3, "minute": 26}
